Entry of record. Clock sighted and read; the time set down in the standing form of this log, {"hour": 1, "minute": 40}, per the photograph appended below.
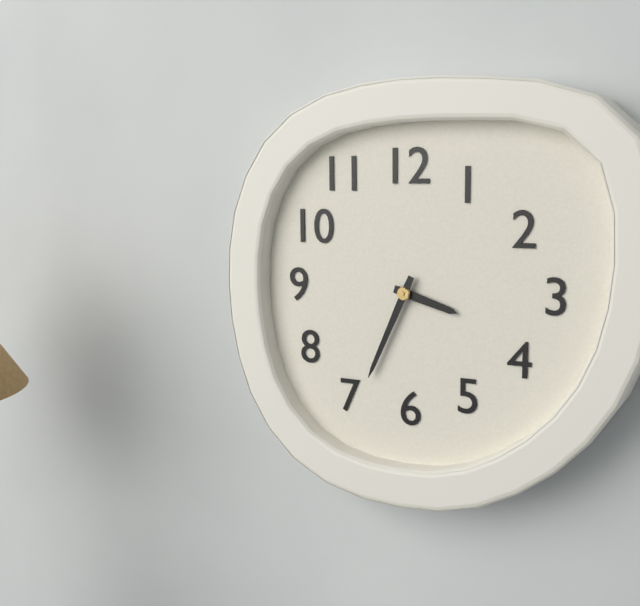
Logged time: {"hour": 3, "minute": 34}
